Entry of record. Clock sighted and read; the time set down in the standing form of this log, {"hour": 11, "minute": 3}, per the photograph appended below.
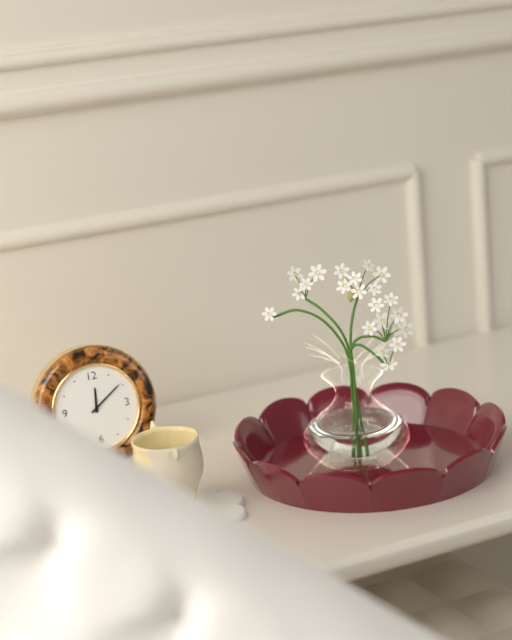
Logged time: {"hour": 12, "minute": 9}
